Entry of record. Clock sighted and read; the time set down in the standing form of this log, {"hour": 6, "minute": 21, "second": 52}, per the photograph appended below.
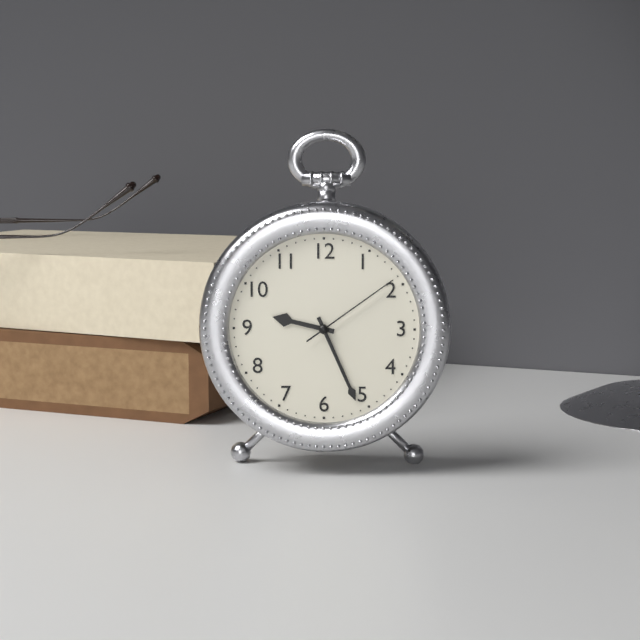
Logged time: {"hour": 9, "minute": 26, "second": 9}
